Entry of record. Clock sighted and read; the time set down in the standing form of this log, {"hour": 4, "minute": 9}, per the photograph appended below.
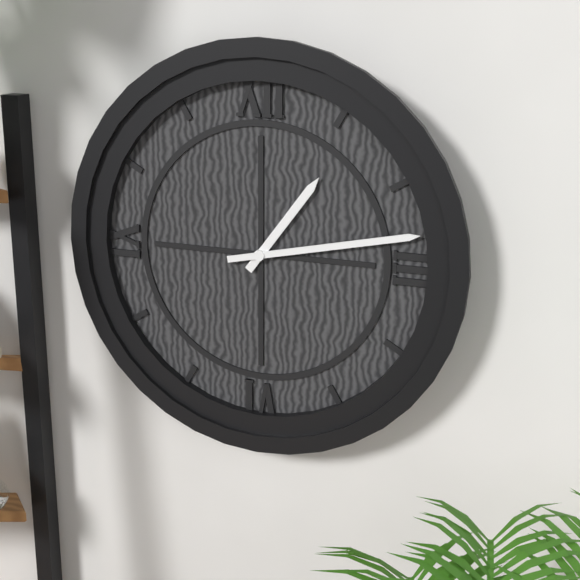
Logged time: {"hour": 1, "minute": 13}
